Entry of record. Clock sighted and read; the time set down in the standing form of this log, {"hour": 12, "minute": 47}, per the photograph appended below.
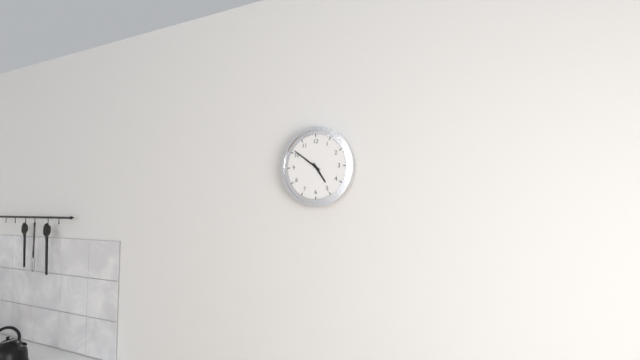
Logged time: {"hour": 4, "minute": 51}
